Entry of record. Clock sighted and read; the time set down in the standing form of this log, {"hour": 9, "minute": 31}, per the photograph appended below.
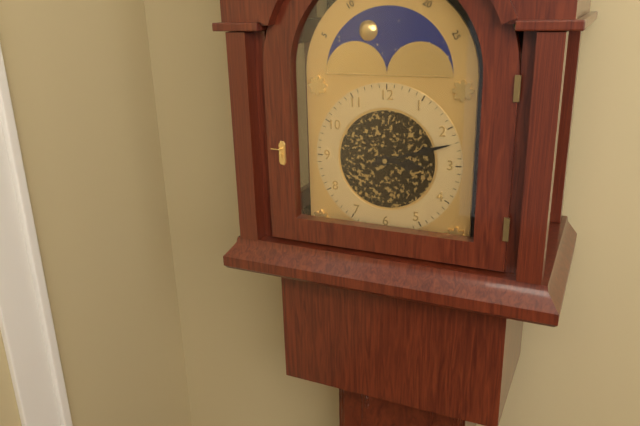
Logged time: {"hour": 3, "minute": 12}
